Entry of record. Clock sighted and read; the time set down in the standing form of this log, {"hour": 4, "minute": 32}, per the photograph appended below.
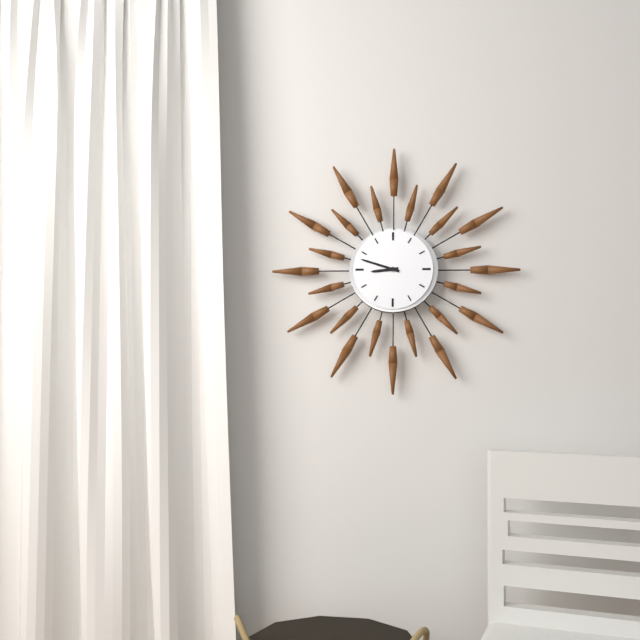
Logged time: {"hour": 8, "minute": 48}
